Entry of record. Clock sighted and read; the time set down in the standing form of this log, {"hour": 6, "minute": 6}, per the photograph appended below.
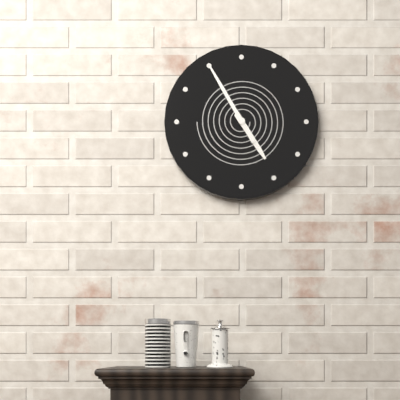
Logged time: {"hour": 4, "minute": 55}
